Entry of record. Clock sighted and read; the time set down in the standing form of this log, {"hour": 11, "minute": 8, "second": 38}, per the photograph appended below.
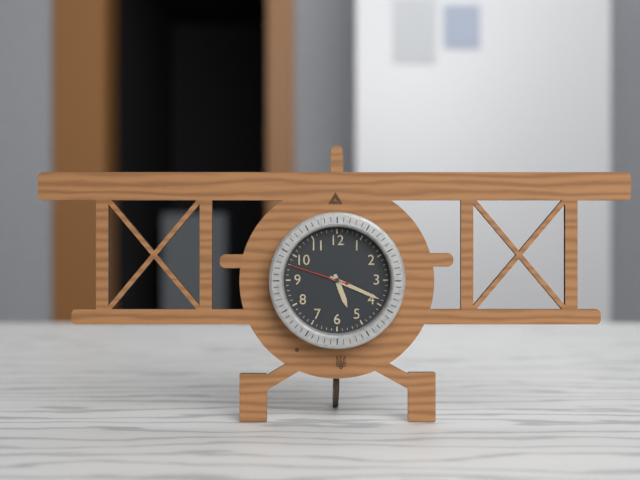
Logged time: {"hour": 5, "minute": 19, "second": 48}
